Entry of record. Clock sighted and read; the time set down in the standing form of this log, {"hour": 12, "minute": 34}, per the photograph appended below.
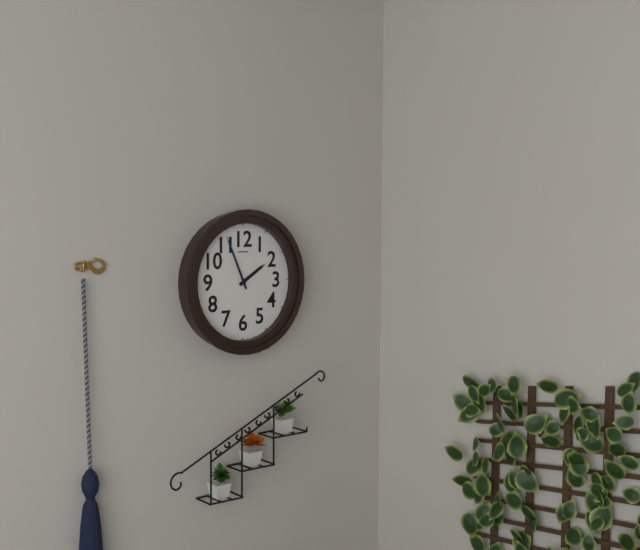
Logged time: {"hour": 1, "minute": 56}
